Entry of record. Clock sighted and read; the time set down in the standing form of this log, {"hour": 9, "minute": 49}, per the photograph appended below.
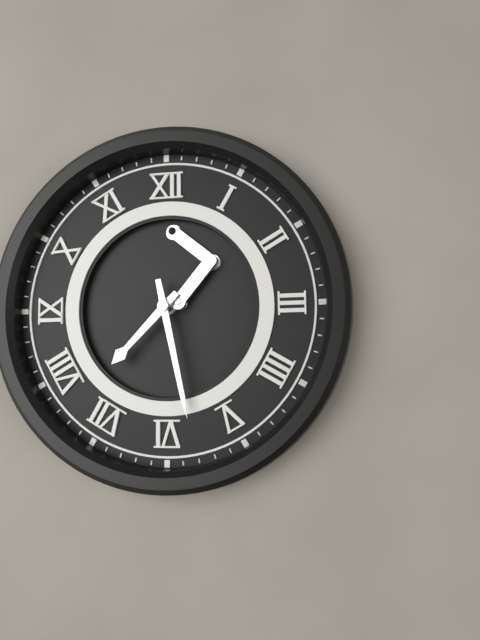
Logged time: {"hour": 7, "minute": 28}
